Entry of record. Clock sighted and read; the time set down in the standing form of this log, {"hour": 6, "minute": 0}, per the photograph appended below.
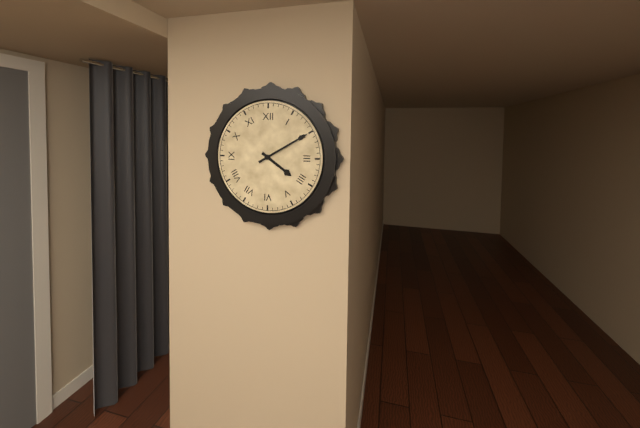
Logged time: {"hour": 4, "minute": 10}
